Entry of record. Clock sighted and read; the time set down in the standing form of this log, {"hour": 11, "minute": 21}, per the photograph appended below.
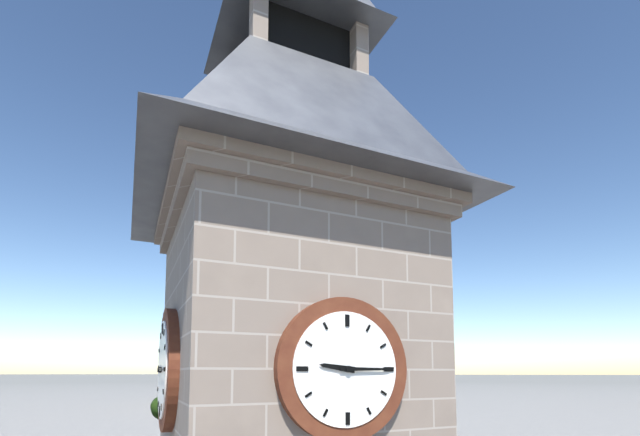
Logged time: {"hour": 9, "minute": 15}
